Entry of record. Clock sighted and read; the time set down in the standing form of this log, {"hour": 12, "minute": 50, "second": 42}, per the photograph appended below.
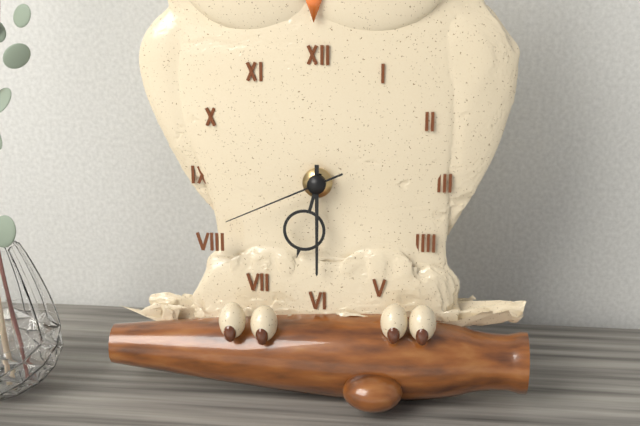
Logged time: {"hour": 6, "minute": 30, "second": 41}
